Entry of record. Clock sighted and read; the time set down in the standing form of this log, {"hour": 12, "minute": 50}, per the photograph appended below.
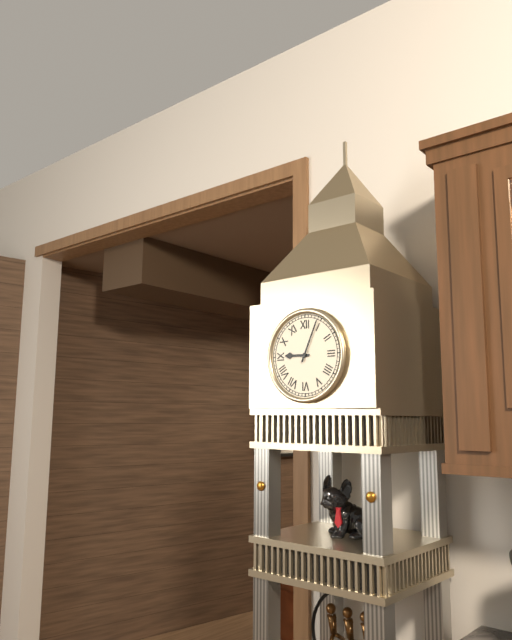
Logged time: {"hour": 9, "minute": 4}
